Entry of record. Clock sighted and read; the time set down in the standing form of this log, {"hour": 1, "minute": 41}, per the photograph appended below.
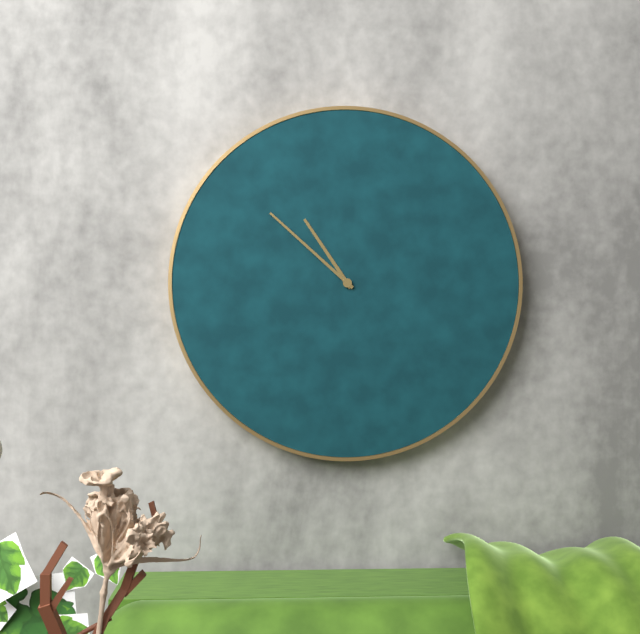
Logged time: {"hour": 10, "minute": 52}
